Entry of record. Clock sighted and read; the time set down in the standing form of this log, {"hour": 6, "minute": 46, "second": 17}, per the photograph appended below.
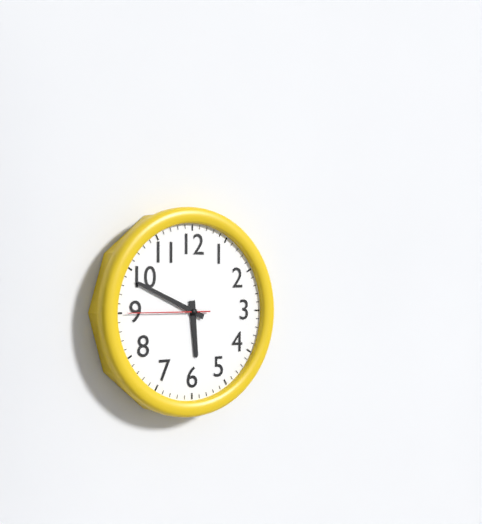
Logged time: {"hour": 5, "minute": 49, "second": 45}
